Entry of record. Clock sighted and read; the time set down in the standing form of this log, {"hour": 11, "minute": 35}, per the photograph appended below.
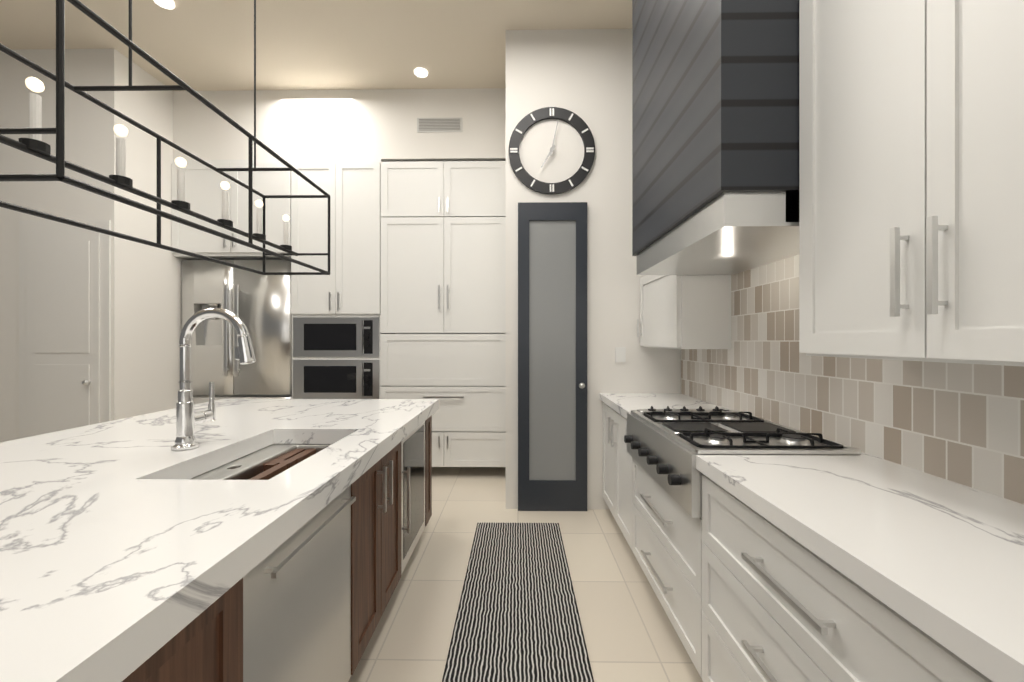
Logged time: {"hour": 7, "minute": 2}
